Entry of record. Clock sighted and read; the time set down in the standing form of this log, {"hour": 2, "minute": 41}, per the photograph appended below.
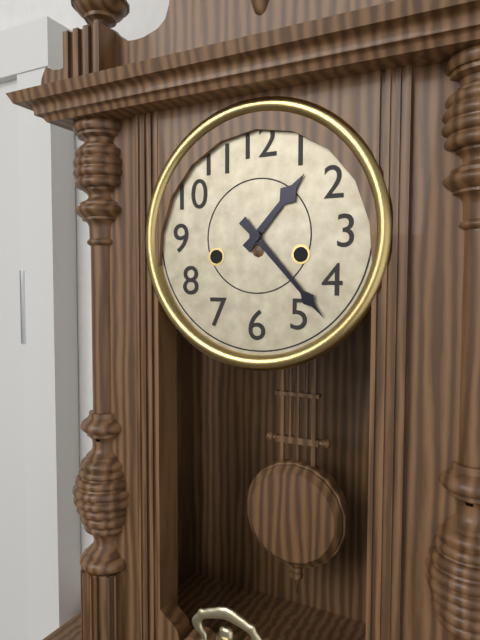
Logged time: {"hour": 1, "minute": 23}
